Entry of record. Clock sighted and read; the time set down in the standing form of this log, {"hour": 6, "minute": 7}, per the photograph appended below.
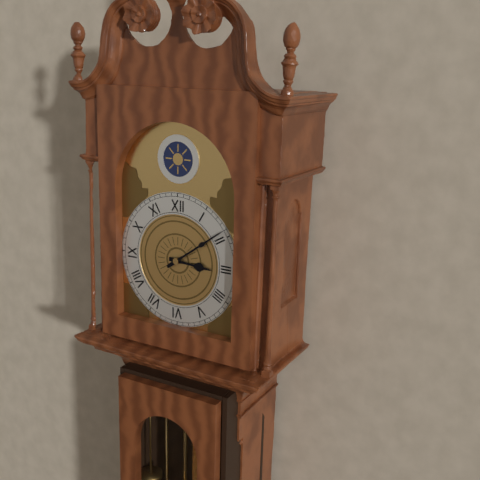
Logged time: {"hour": 3, "minute": 9}
